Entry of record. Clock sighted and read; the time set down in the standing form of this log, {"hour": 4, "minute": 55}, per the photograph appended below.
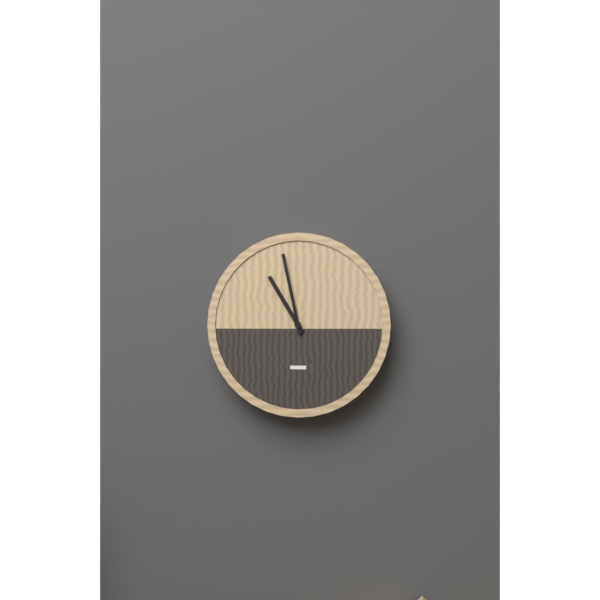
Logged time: {"hour": 10, "minute": 58}
